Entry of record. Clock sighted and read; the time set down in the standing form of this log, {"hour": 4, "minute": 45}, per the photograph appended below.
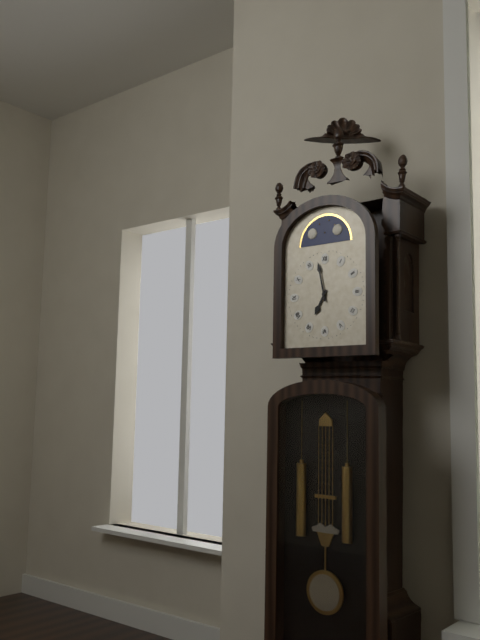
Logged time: {"hour": 6, "minute": 58}
